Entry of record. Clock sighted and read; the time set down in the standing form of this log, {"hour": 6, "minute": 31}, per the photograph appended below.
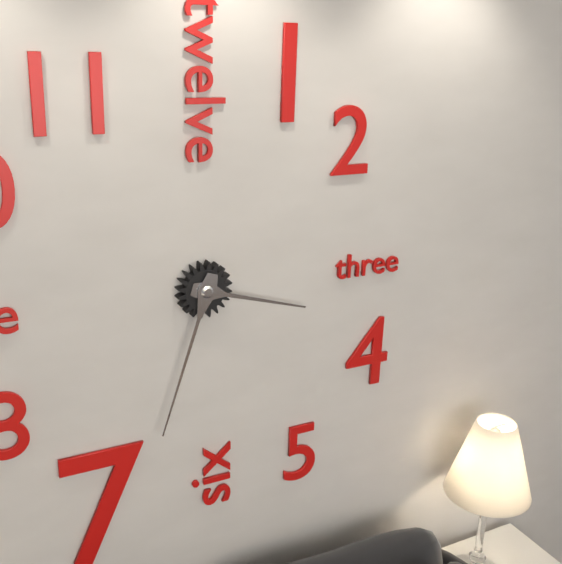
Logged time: {"hour": 3, "minute": 33}
